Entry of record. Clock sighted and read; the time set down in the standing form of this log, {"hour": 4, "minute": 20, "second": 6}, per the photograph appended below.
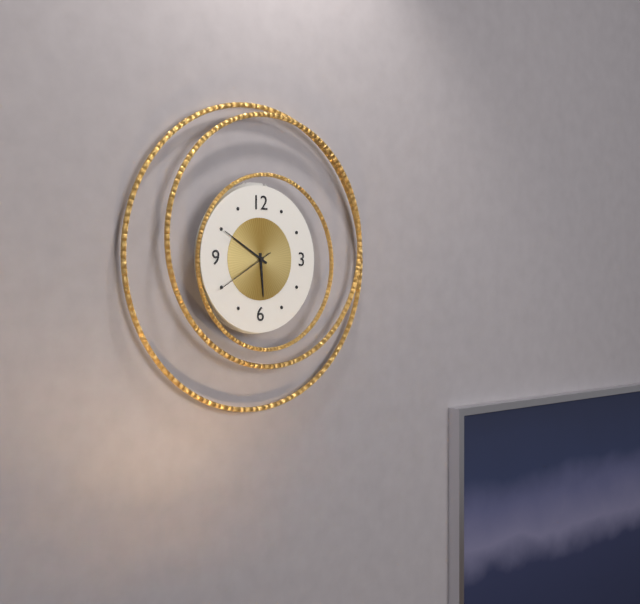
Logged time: {"hour": 5, "minute": 50, "second": 40}
